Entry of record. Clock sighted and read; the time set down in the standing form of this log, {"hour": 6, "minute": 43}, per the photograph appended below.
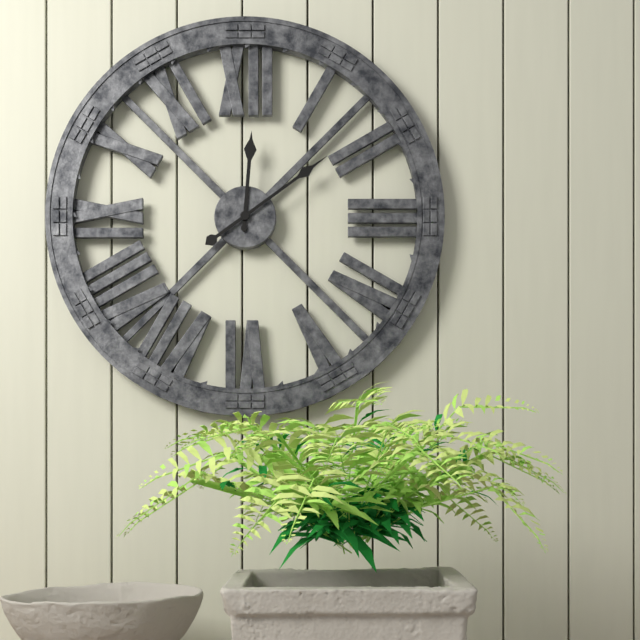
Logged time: {"hour": 12, "minute": 9}
